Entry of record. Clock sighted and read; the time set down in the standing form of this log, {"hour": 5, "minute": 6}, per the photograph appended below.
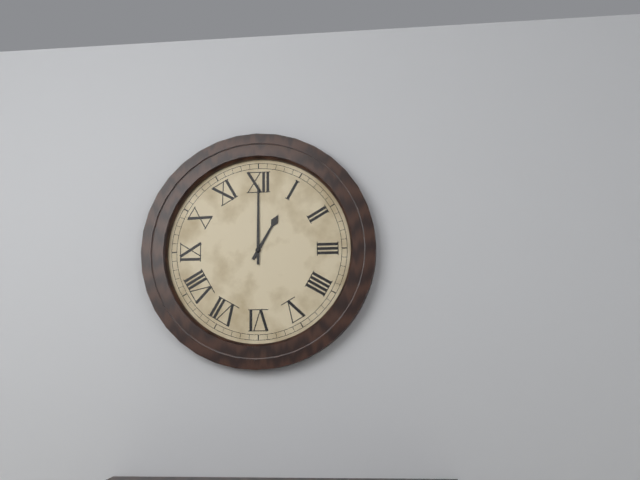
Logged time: {"hour": 1, "minute": 0}
